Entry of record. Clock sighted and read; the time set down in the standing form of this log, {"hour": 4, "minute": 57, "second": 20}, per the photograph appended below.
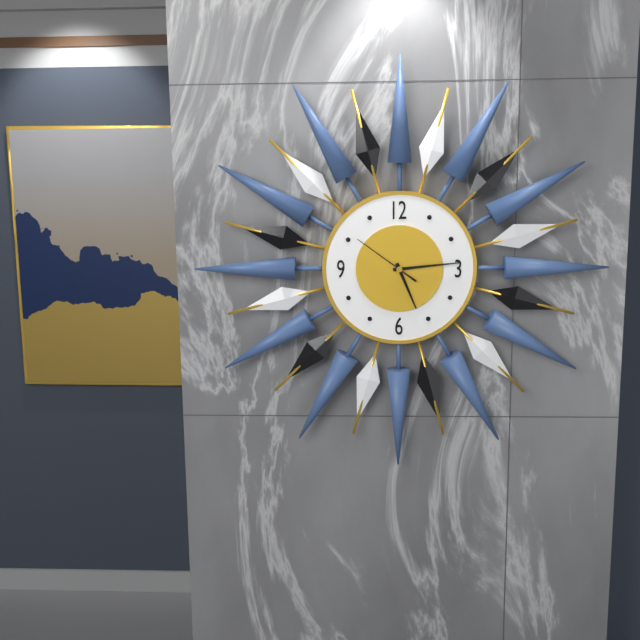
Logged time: {"hour": 5, "minute": 14, "second": 51}
